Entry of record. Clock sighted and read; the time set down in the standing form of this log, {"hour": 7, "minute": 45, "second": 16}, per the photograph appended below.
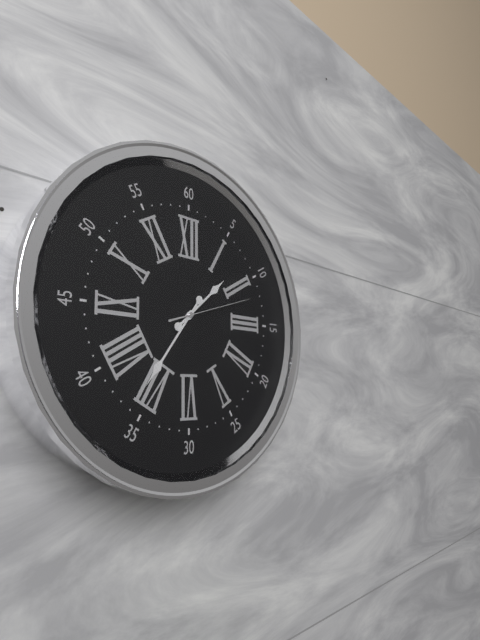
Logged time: {"hour": 1, "minute": 36, "second": 12}
